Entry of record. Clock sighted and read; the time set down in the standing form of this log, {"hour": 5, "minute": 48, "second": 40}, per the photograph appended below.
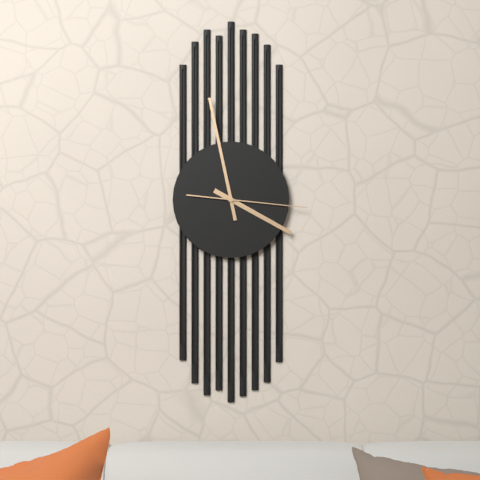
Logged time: {"hour": 3, "minute": 58, "second": 16}
